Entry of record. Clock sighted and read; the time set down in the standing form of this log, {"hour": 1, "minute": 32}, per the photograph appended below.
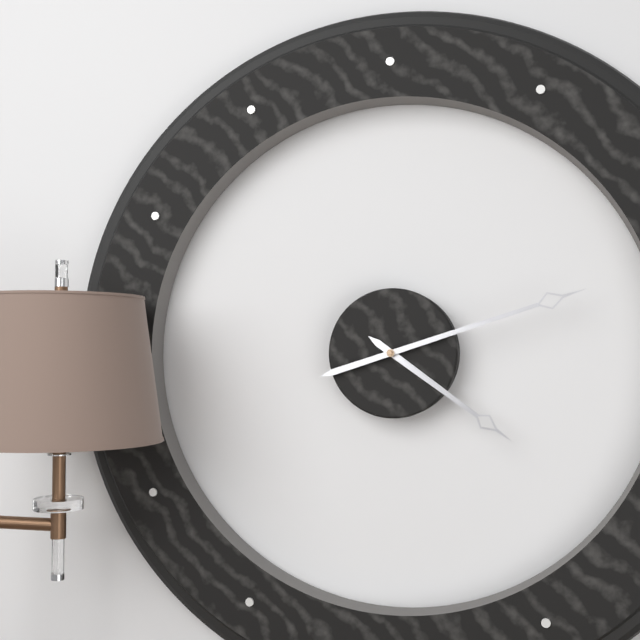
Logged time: {"hour": 4, "minute": 12}
